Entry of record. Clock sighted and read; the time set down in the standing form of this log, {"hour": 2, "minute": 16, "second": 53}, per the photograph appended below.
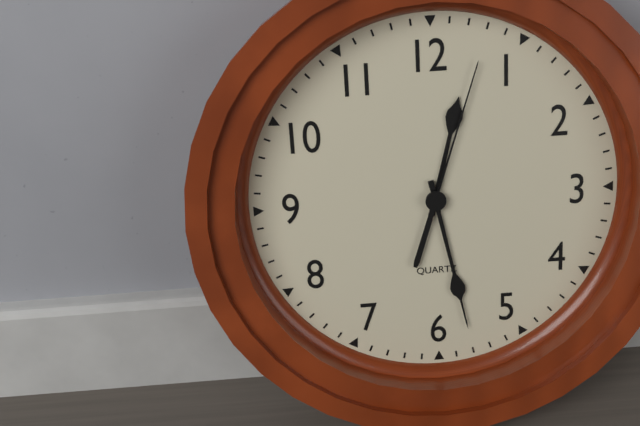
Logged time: {"hour": 12, "minute": 28, "second": 3}
